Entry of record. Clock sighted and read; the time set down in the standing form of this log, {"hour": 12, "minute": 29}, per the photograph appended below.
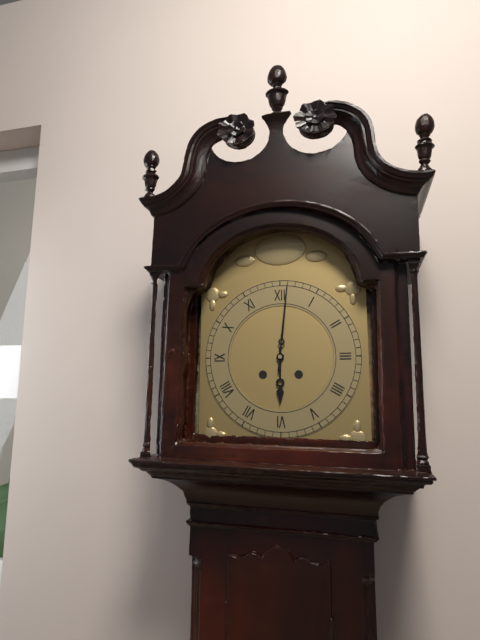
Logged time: {"hour": 6, "minute": 1}
